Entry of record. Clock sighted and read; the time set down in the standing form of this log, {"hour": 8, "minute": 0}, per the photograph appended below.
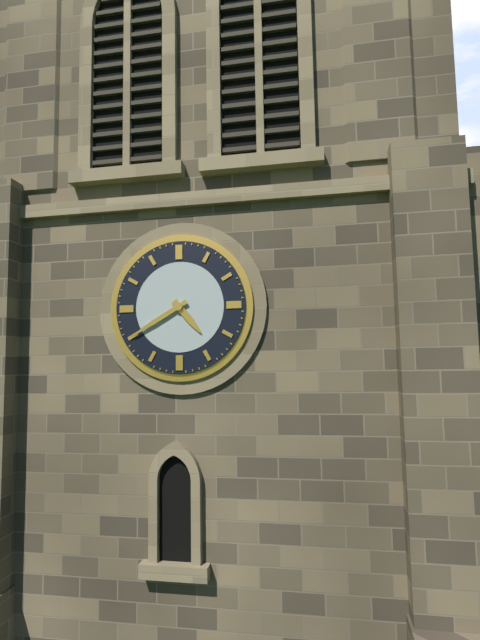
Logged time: {"hour": 4, "minute": 40}
